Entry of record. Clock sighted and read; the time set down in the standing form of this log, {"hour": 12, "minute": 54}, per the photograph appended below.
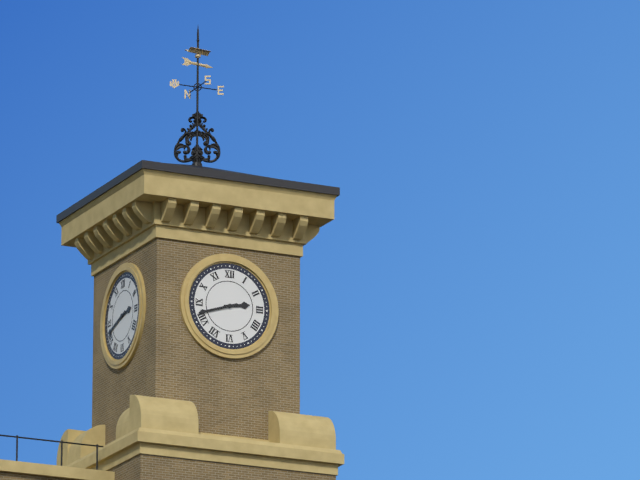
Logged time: {"hour": 2, "minute": 42}
